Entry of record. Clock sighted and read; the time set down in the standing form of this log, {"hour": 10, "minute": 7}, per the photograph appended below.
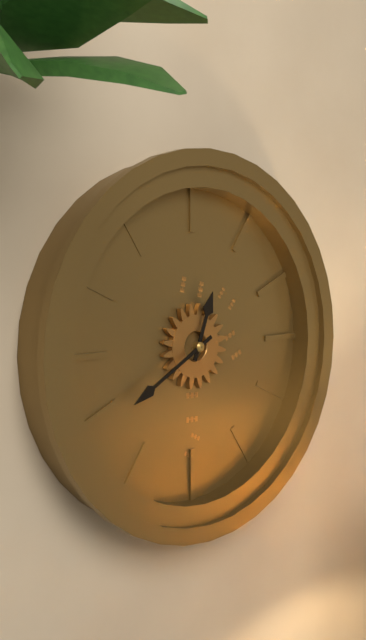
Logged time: {"hour": 12, "minute": 40}
